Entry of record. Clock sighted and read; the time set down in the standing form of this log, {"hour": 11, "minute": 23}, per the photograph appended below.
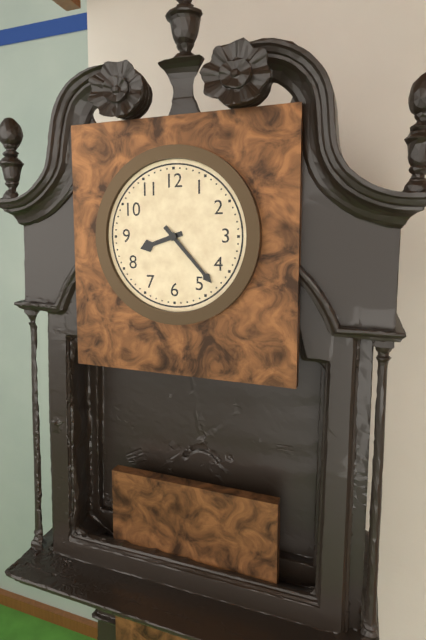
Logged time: {"hour": 8, "minute": 23}
